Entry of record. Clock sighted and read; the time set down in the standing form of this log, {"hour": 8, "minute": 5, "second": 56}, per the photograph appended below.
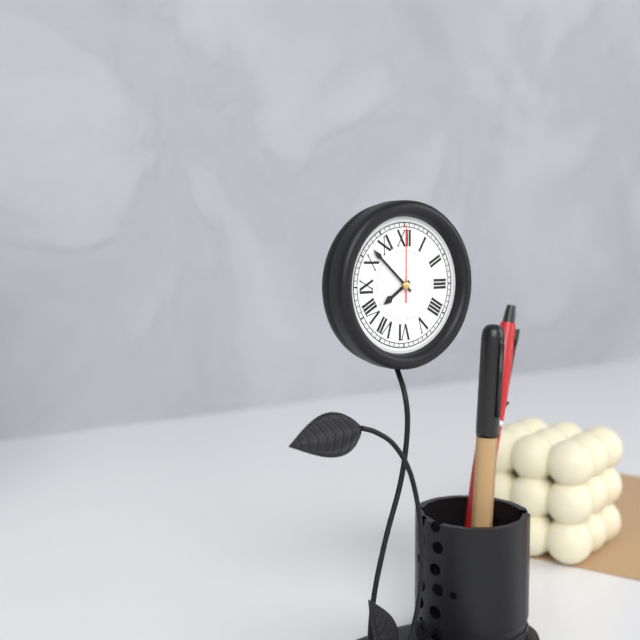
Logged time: {"hour": 7, "minute": 52, "second": 0}
